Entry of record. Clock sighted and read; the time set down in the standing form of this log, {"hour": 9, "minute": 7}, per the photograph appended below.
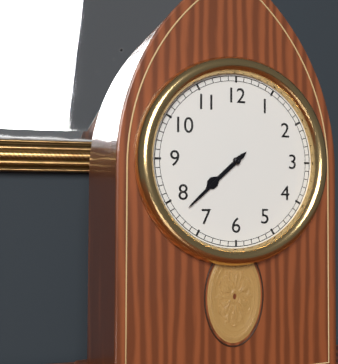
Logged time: {"hour": 7, "minute": 38}
